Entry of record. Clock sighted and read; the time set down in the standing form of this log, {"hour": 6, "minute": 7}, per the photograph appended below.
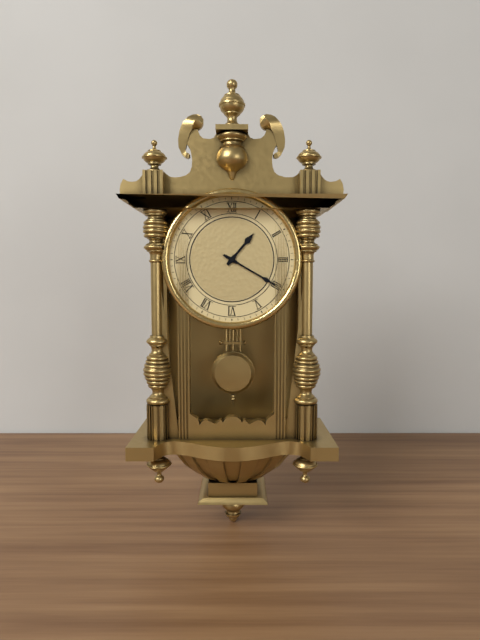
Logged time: {"hour": 1, "minute": 20}
